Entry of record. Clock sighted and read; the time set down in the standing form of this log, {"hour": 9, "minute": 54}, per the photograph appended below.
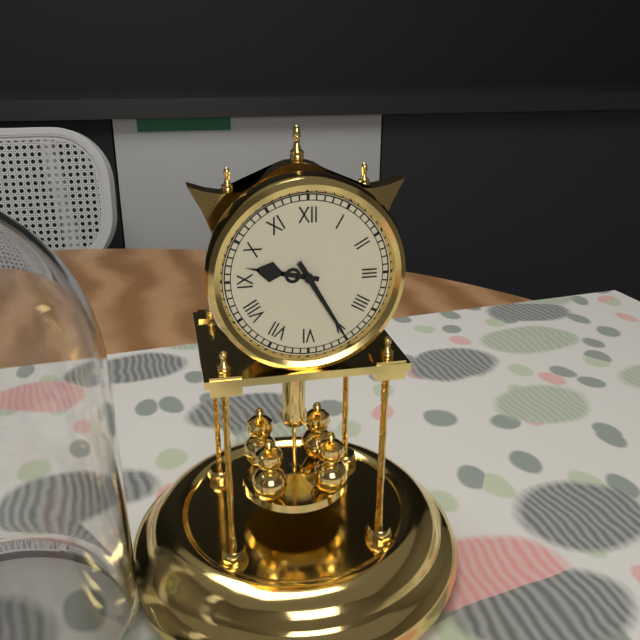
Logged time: {"hour": 9, "minute": 25}
